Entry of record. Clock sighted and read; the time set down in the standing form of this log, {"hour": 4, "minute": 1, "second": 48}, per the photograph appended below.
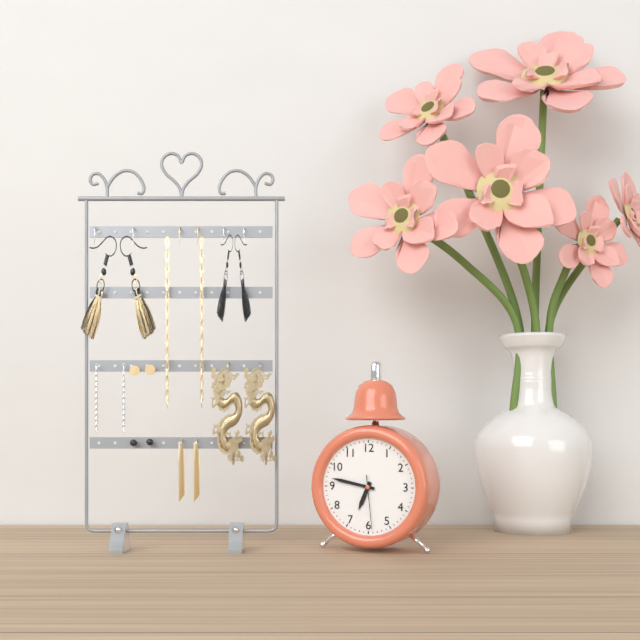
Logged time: {"hour": 6, "minute": 47, "second": 29}
